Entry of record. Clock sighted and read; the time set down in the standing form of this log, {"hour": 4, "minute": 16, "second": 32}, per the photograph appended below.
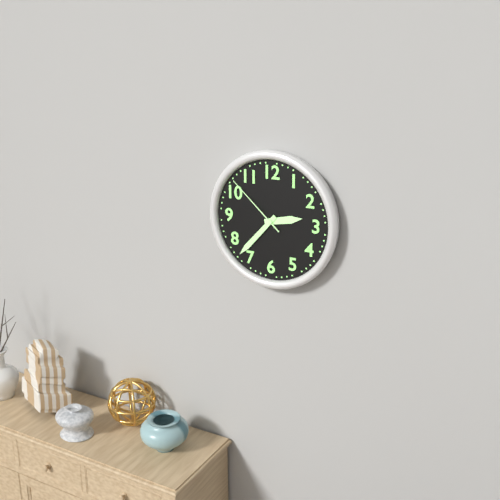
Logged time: {"hour": 2, "minute": 37, "second": 52}
